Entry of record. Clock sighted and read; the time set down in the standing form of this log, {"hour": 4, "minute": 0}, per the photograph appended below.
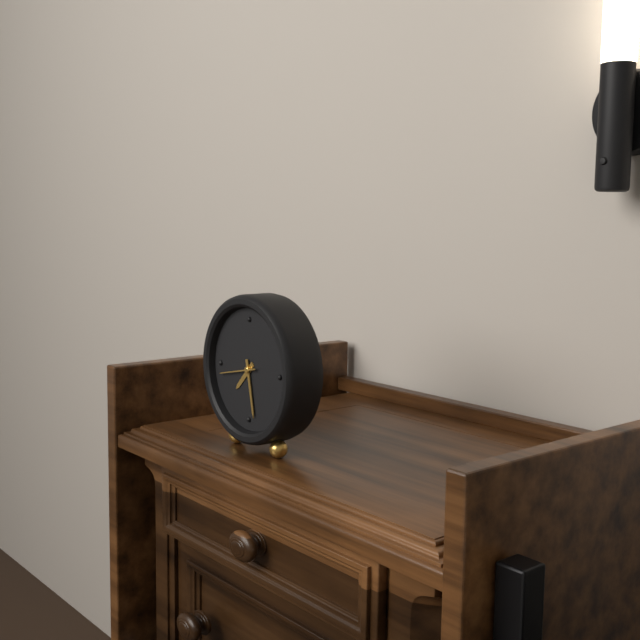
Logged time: {"hour": 7, "minute": 28}
